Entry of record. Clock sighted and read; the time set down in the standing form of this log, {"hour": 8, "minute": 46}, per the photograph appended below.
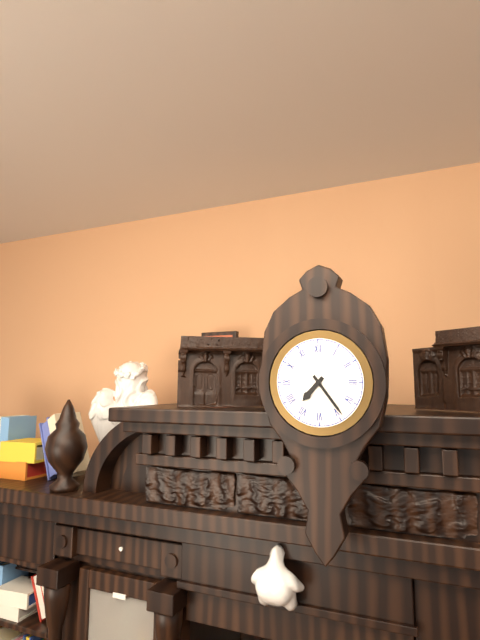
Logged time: {"hour": 7, "minute": 24}
